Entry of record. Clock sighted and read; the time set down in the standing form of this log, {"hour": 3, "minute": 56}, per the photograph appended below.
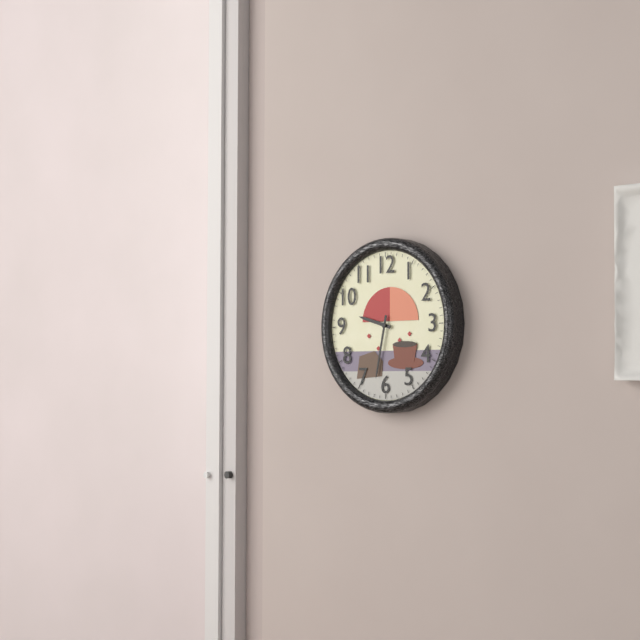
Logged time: {"hour": 9, "minute": 32}
